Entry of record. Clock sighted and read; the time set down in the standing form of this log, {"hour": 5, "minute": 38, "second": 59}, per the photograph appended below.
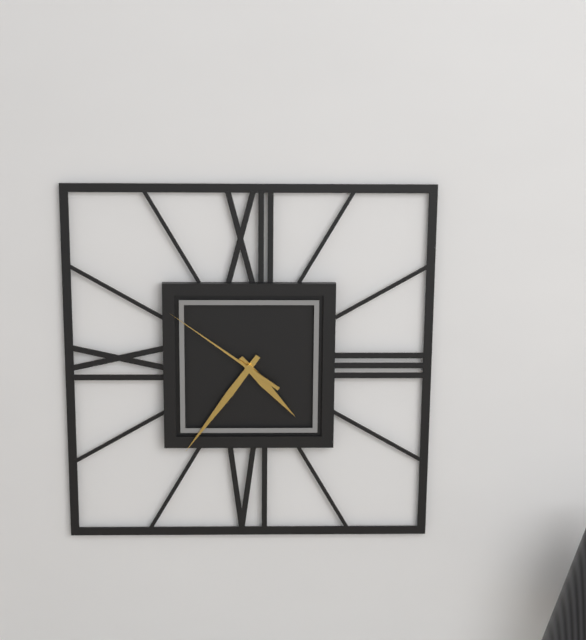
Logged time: {"hour": 4, "minute": 36, "second": 51}
